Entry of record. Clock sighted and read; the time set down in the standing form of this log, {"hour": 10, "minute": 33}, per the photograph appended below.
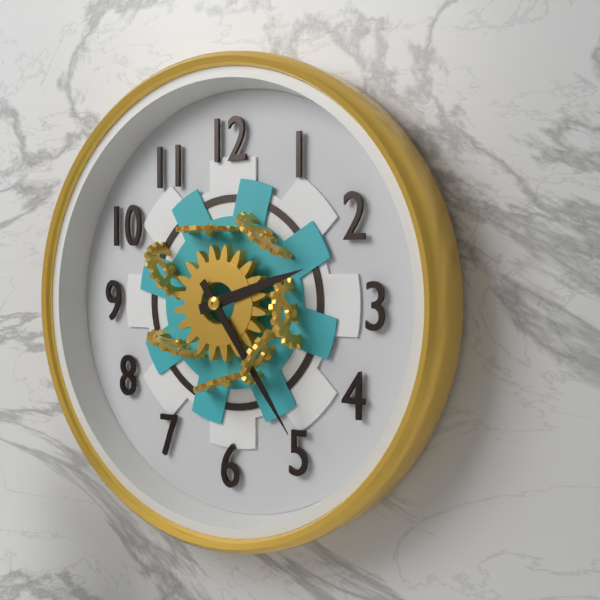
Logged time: {"hour": 2, "minute": 24}
